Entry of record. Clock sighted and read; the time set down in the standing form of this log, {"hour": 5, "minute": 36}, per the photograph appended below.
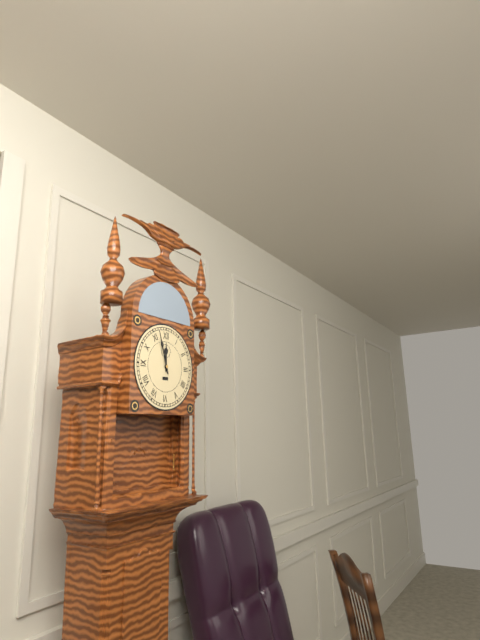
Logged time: {"hour": 11, "minute": 57}
